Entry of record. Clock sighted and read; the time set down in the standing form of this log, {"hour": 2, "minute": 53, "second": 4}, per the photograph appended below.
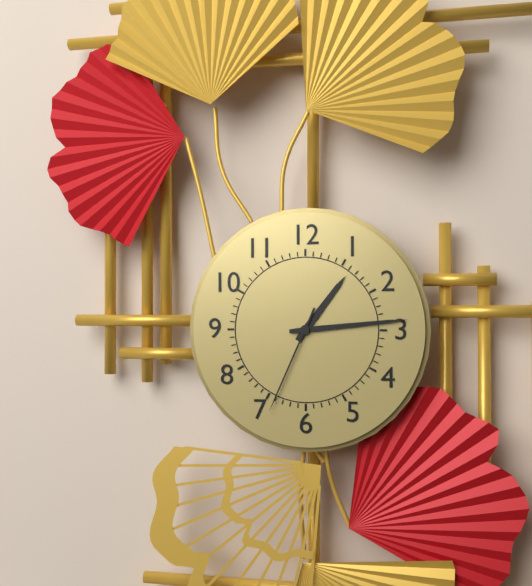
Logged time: {"hour": 1, "minute": 14, "second": 34}
